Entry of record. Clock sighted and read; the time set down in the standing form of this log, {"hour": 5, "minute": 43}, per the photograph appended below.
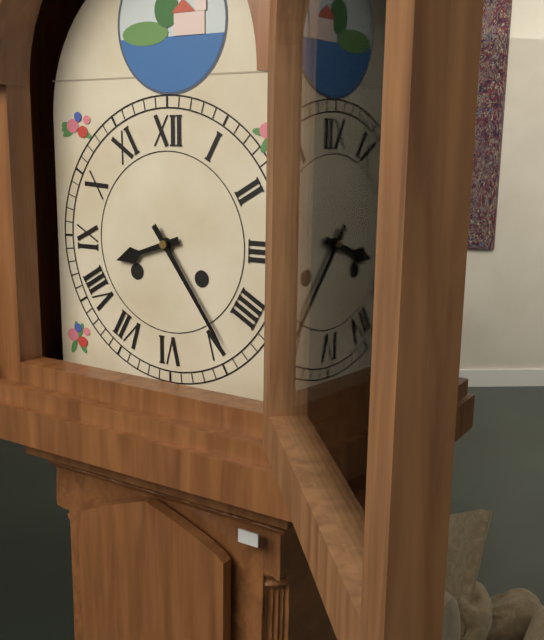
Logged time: {"hour": 8, "minute": 24}
